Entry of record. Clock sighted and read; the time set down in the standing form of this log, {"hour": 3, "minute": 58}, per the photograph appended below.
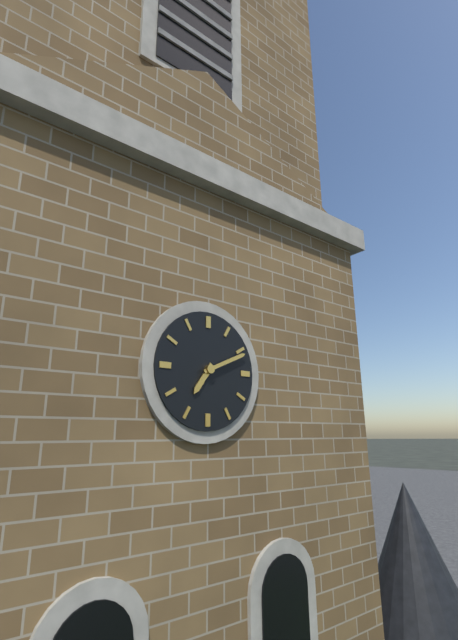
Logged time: {"hour": 7, "minute": 11}
